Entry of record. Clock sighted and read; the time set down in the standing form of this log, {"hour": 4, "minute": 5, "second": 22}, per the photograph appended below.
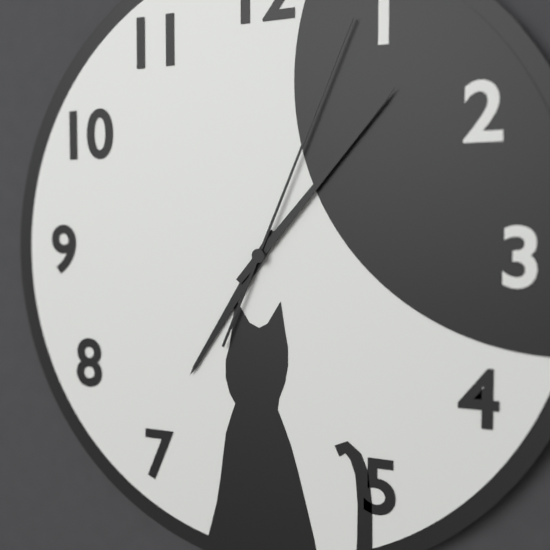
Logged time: {"hour": 7, "minute": 7, "second": 4}
